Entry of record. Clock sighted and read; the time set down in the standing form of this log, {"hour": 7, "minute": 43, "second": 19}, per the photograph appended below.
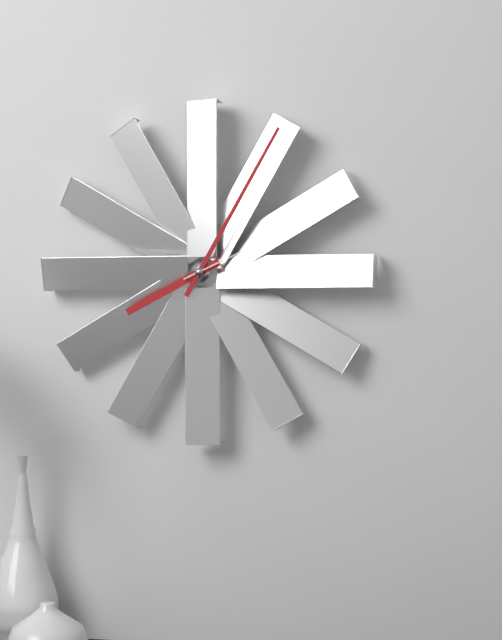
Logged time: {"hour": 8, "minute": 5, "second": 11}
